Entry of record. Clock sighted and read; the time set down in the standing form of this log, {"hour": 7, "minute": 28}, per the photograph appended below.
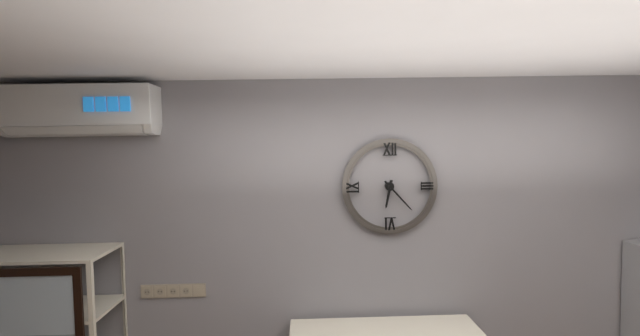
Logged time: {"hour": 6, "minute": 23}
